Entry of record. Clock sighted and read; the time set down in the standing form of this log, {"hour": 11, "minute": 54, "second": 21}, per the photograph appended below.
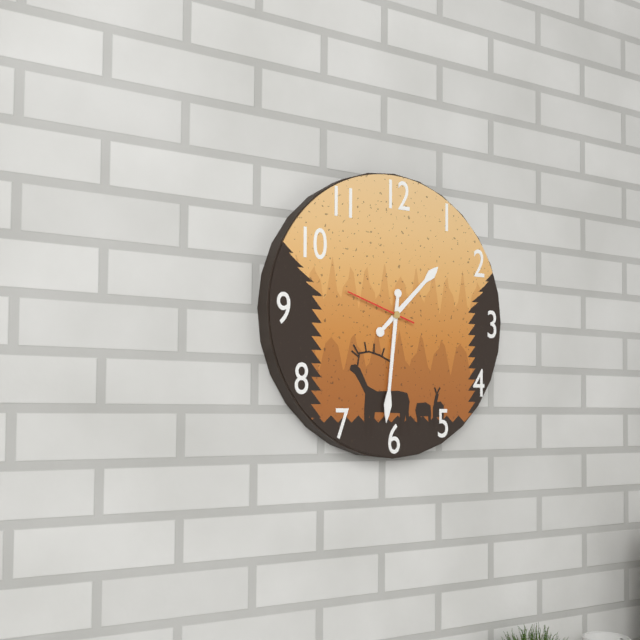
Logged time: {"hour": 1, "minute": 31, "second": 48}
